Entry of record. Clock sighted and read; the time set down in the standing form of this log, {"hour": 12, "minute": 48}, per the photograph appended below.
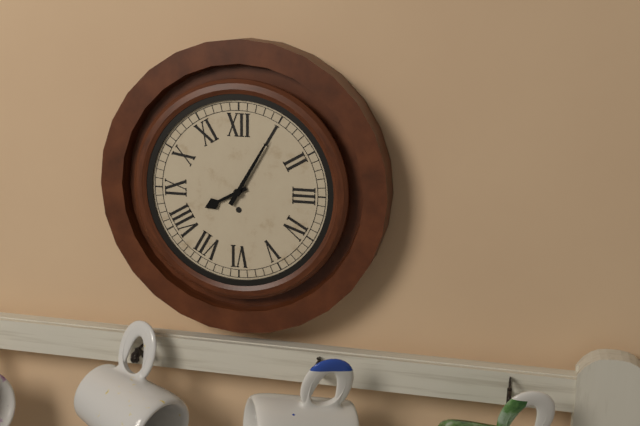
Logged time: {"hour": 8, "minute": 5}
